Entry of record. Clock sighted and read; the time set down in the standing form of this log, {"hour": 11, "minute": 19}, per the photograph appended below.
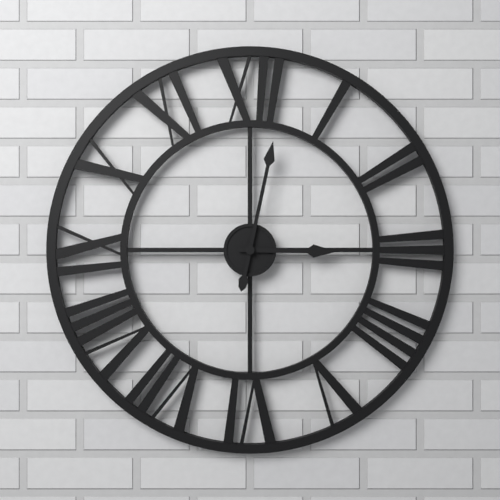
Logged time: {"hour": 3, "minute": 2}
